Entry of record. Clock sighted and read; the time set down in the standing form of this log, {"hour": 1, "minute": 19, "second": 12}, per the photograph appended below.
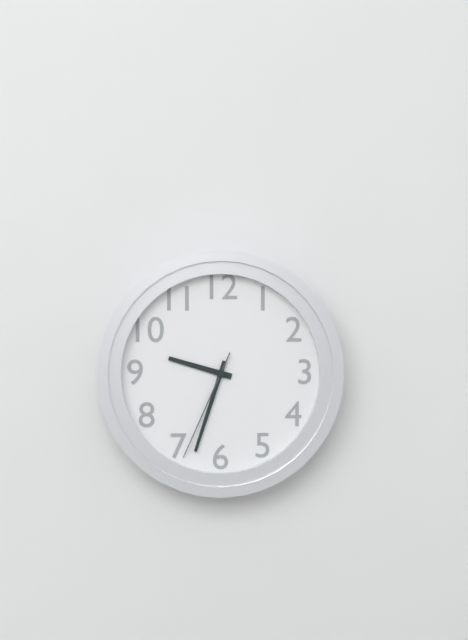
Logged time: {"hour": 9, "minute": 33, "second": 34}
